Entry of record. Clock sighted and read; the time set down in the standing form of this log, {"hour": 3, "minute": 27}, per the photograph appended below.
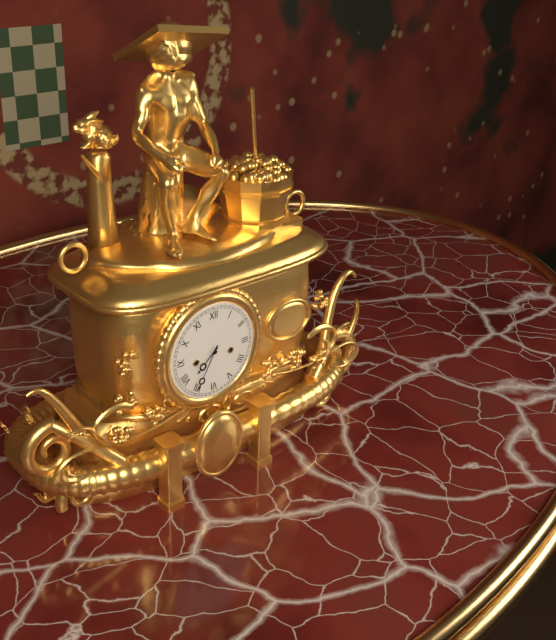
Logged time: {"hour": 7, "minute": 35}
